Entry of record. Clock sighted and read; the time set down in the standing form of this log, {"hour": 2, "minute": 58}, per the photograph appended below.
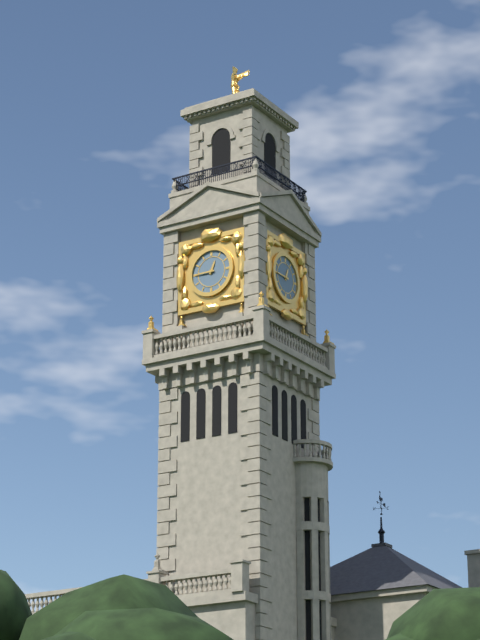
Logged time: {"hour": 12, "minute": 45}
